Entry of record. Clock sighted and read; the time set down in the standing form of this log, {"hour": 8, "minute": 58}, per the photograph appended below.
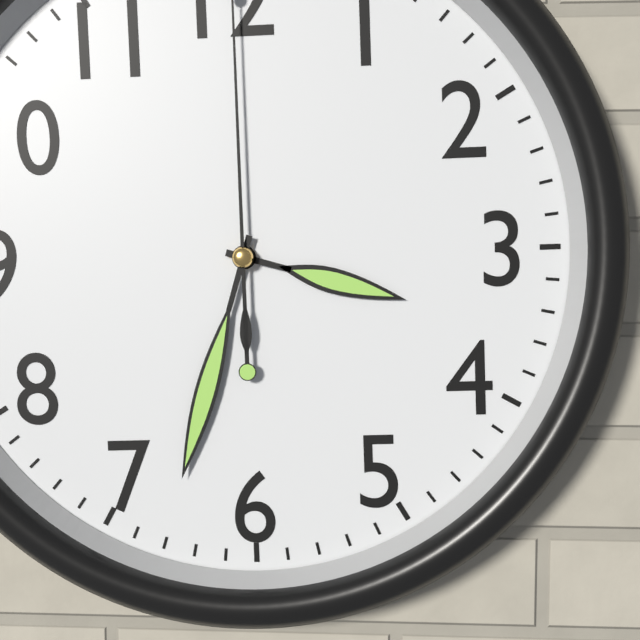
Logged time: {"hour": 3, "minute": 33}
